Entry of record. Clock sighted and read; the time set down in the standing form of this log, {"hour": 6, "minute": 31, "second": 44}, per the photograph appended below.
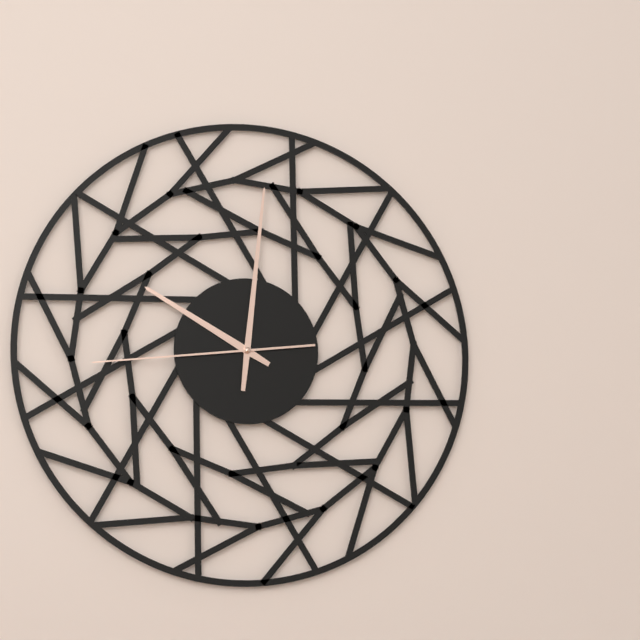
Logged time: {"hour": 10, "minute": 1, "second": 44}
